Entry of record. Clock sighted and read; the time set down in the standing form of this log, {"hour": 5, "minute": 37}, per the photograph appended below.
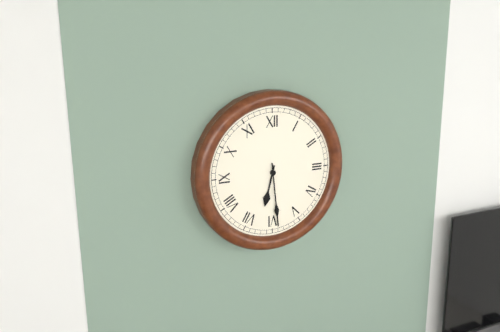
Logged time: {"hour": 6, "minute": 29}
